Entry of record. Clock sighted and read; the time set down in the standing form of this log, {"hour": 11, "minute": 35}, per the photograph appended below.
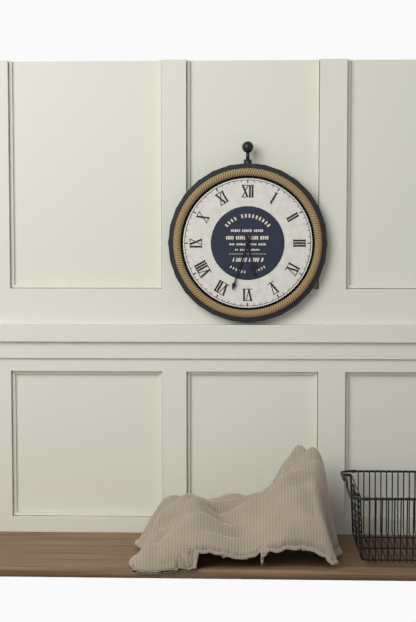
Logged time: {"hour": 5, "minute": 33}
